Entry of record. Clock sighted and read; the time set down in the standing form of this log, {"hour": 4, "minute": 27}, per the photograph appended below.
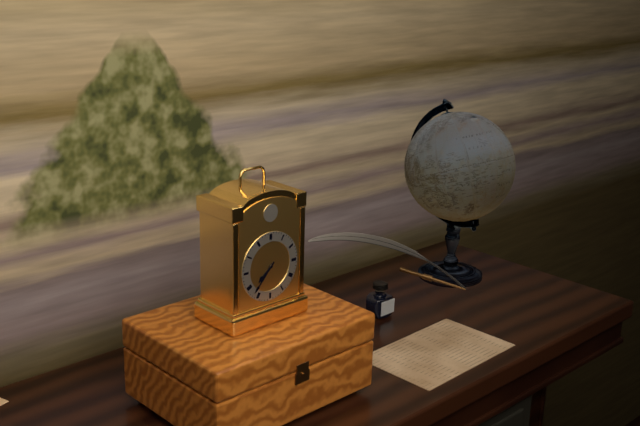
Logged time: {"hour": 7, "minute": 37}
